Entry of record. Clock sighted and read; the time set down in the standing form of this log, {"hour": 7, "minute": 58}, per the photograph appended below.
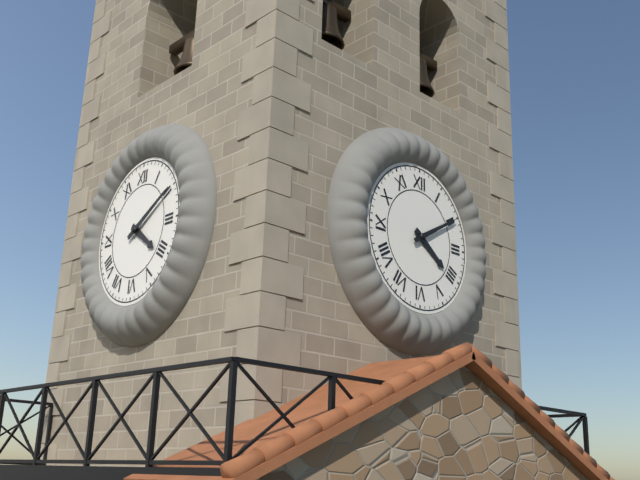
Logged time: {"hour": 4, "minute": 10}
